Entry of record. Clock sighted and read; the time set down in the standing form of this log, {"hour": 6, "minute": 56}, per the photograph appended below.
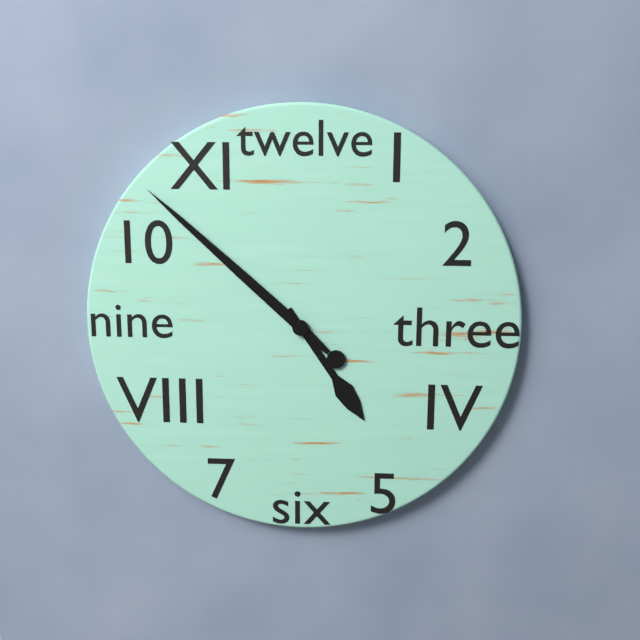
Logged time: {"hour": 4, "minute": 52}
